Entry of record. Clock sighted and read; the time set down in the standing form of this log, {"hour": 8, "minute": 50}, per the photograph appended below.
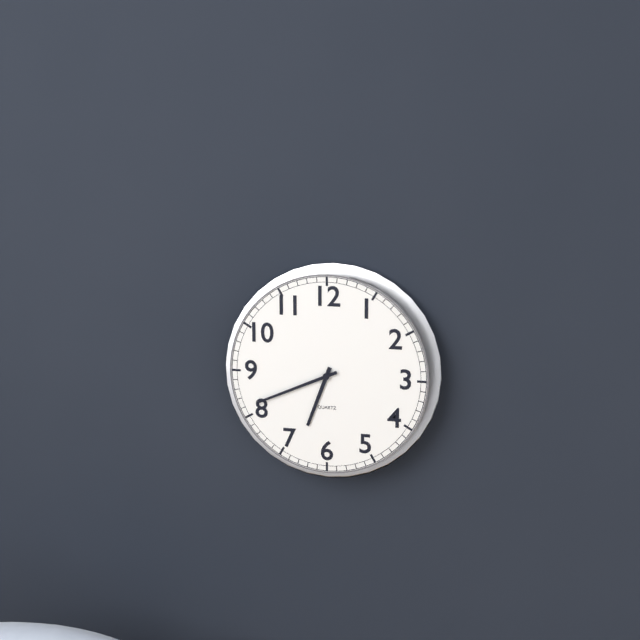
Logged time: {"hour": 6, "minute": 41}
